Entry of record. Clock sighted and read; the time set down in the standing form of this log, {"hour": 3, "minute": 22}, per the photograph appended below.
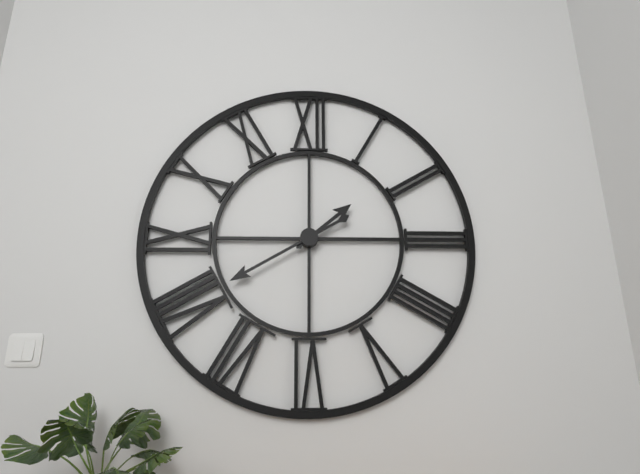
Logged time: {"hour": 1, "minute": 40}
